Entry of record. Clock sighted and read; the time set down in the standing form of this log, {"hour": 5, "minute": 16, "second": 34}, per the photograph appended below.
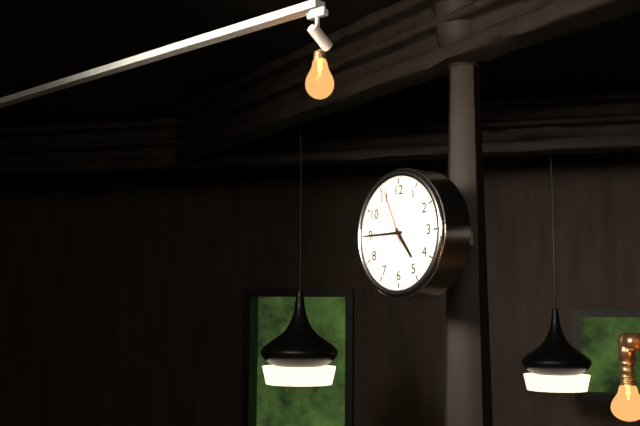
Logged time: {"hour": 4, "minute": 45, "second": 56}
